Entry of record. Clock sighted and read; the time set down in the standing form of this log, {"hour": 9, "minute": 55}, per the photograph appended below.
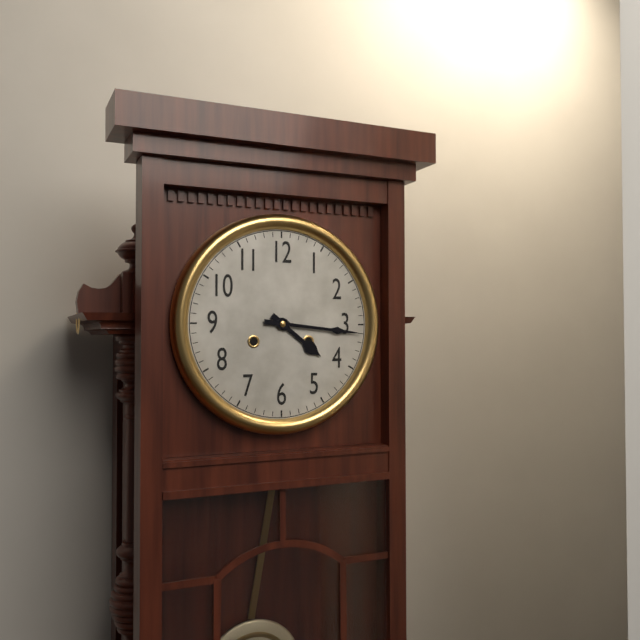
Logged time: {"hour": 4, "minute": 16}
